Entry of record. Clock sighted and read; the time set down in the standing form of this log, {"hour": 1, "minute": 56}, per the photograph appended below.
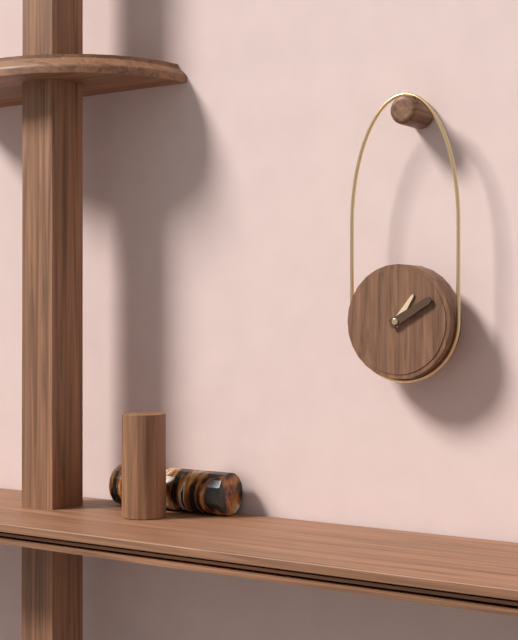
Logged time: {"hour": 1, "minute": 10}
